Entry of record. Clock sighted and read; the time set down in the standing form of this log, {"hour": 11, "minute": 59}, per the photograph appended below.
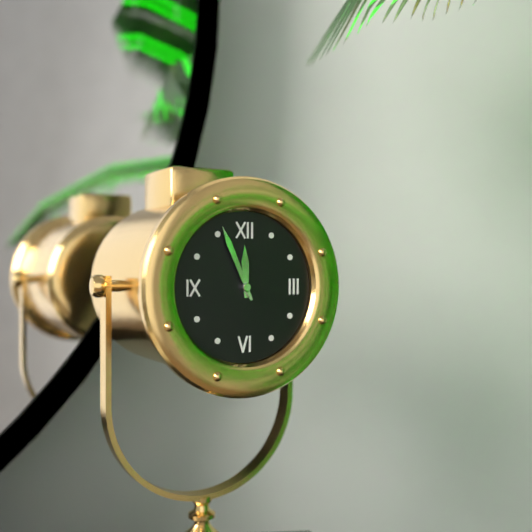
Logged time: {"hour": 11, "minute": 56}
